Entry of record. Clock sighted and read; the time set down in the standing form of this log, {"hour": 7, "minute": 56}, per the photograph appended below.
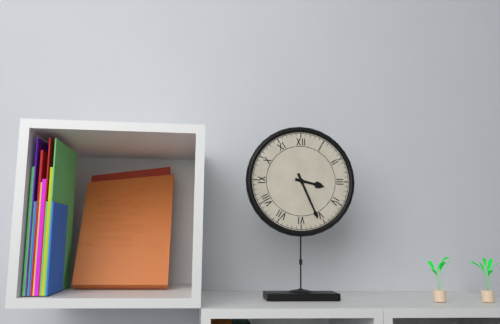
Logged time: {"hour": 3, "minute": 26}
